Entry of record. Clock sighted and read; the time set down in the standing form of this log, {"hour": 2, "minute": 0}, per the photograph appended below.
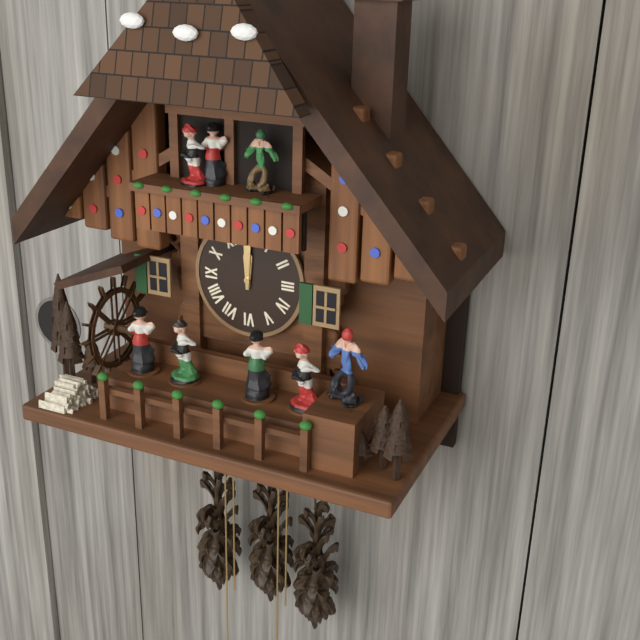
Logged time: {"hour": 12, "minute": 0}
